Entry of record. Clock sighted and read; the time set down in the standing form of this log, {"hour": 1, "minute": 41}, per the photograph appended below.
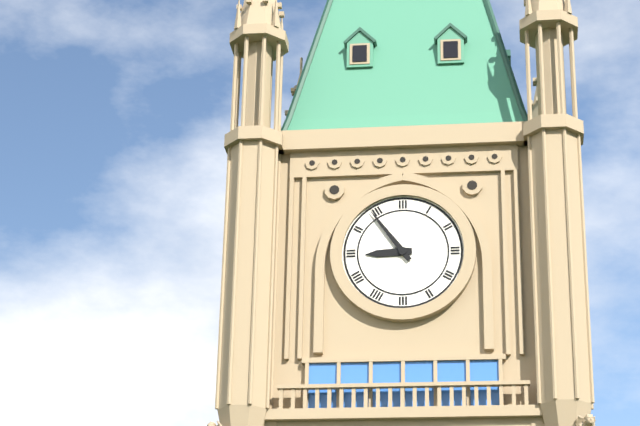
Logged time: {"hour": 8, "minute": 54}
